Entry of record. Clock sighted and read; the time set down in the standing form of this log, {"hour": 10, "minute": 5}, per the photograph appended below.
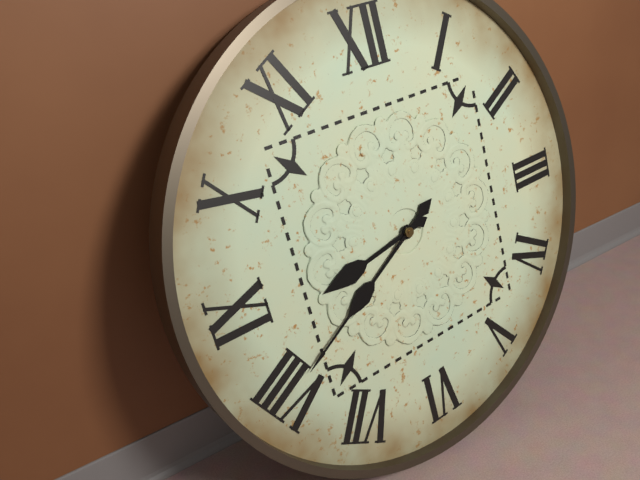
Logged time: {"hour": 8, "minute": 40}
